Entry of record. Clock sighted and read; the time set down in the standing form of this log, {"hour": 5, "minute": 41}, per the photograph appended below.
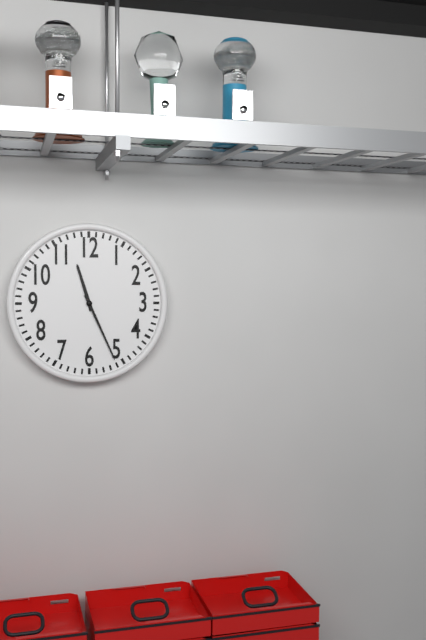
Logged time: {"hour": 11, "minute": 26}
